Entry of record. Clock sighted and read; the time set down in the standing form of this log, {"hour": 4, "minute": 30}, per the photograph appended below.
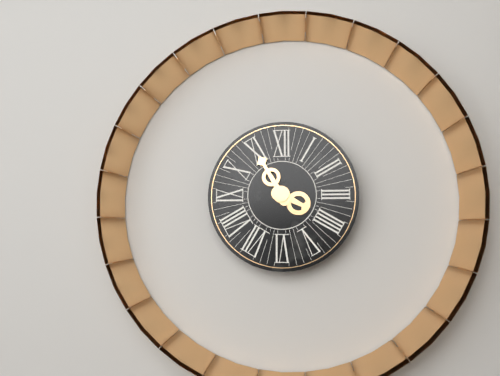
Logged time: {"hour": 3, "minute": 55}
